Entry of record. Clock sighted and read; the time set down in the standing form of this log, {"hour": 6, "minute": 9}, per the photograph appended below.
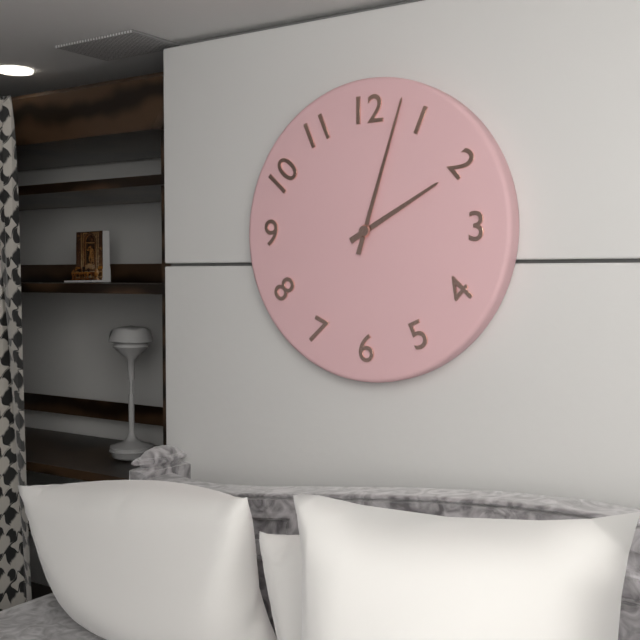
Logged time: {"hour": 2, "minute": 3}
